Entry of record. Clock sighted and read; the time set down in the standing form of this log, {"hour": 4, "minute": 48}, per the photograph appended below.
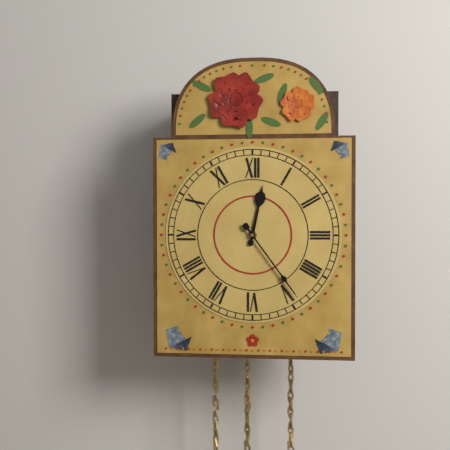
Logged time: {"hour": 12, "minute": 24}
